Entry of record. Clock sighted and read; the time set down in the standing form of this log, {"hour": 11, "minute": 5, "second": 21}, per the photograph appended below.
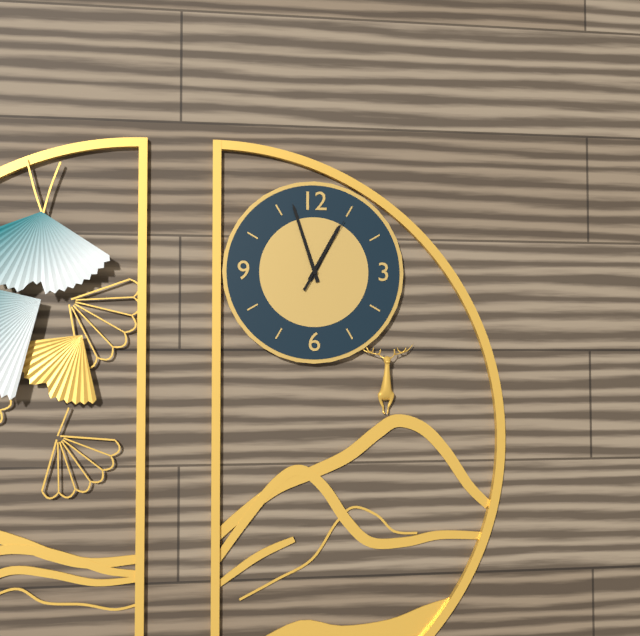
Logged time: {"hour": 12, "minute": 57, "second": 5}
